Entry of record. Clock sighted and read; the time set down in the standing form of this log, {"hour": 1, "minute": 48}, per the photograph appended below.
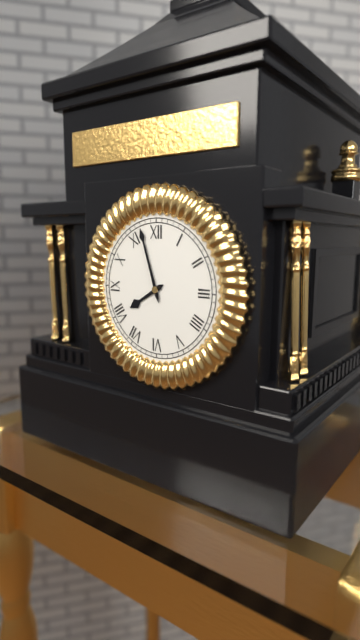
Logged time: {"hour": 7, "minute": 57}
